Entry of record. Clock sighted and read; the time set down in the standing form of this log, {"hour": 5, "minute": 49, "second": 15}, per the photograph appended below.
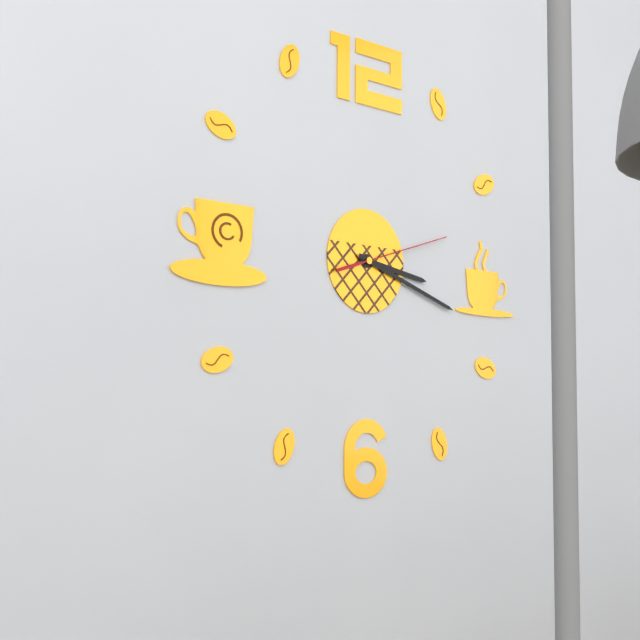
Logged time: {"hour": 3, "minute": 18, "second": 12}
